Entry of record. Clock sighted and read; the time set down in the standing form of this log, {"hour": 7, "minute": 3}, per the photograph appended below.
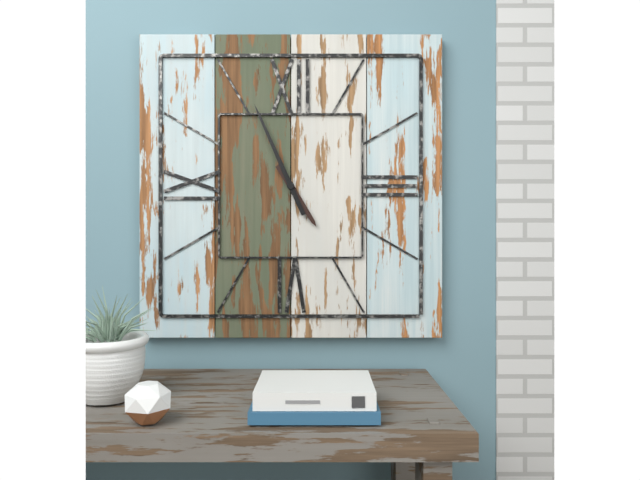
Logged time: {"hour": 4, "minute": 56}
